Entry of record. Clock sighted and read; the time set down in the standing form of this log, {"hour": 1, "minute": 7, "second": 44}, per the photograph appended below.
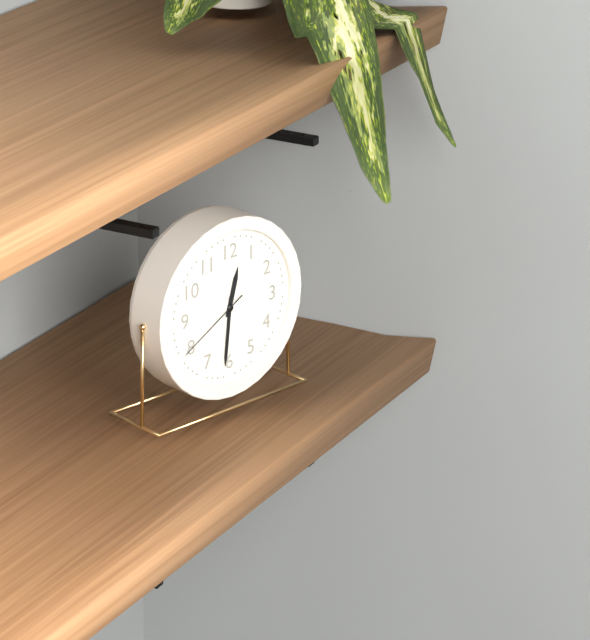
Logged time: {"hour": 12, "minute": 31, "second": 40}
